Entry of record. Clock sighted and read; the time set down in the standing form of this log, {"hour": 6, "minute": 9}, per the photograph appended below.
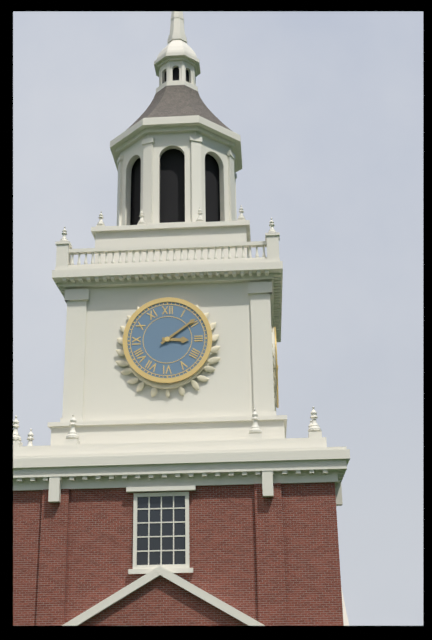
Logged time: {"hour": 3, "minute": 9}
